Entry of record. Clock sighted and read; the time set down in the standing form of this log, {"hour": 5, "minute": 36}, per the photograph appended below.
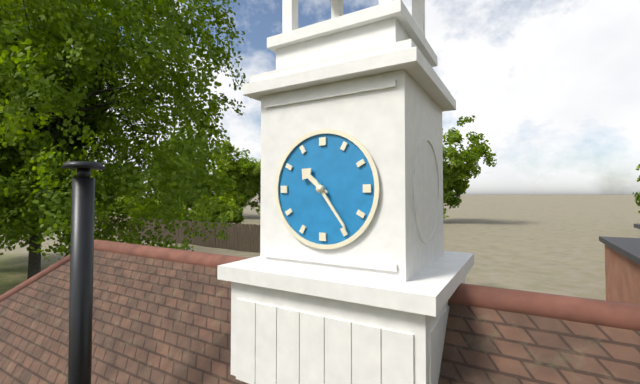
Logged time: {"hour": 10, "minute": 24}
